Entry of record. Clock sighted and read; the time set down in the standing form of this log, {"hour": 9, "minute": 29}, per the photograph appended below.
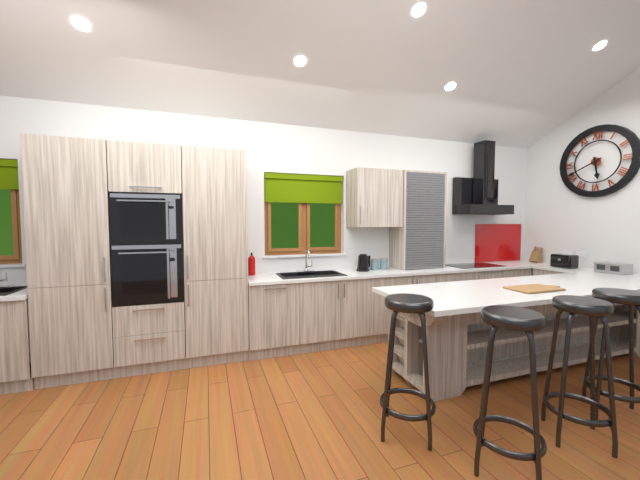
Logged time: {"hour": 5, "minute": 41}
